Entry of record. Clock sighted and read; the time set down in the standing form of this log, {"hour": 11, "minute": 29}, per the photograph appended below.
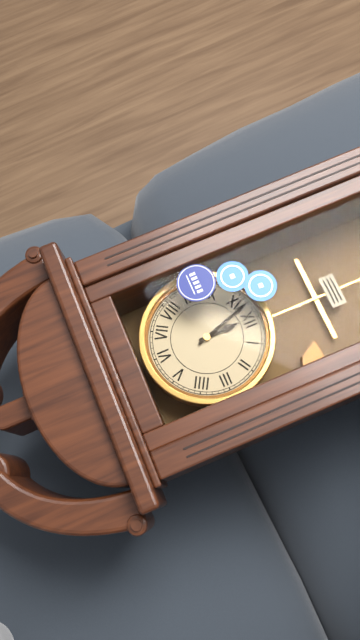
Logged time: {"hour": 11, "minute": 57}
